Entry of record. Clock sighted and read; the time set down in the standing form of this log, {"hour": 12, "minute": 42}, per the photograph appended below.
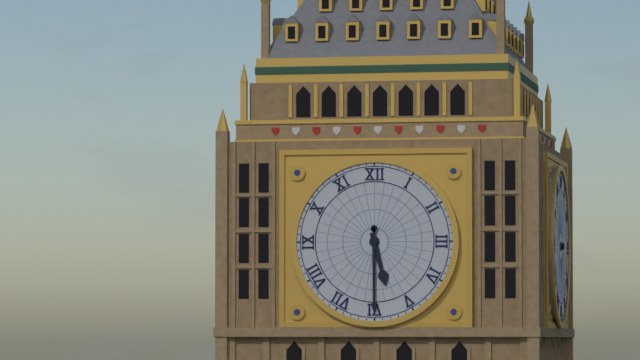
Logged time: {"hour": 5, "minute": 30}
